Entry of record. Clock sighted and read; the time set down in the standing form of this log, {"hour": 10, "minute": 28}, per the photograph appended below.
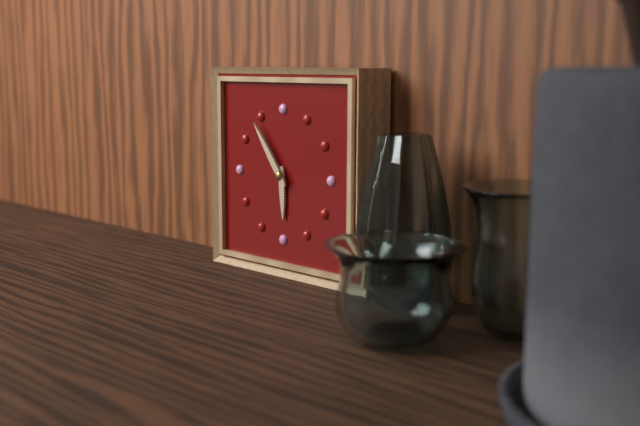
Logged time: {"hour": 5, "minute": 54}
